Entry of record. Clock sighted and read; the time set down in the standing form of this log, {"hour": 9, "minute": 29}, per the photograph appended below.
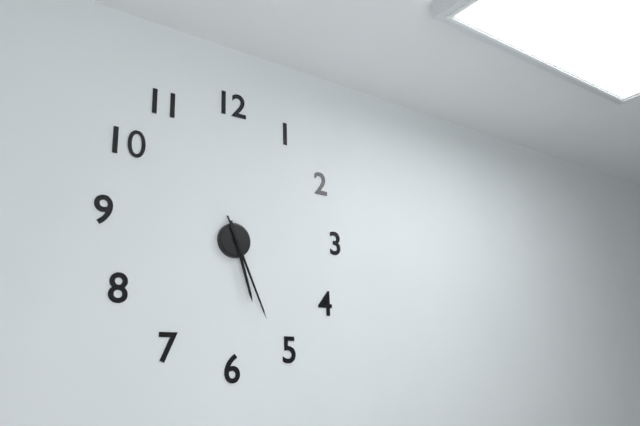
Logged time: {"hour": 5, "minute": 26}
